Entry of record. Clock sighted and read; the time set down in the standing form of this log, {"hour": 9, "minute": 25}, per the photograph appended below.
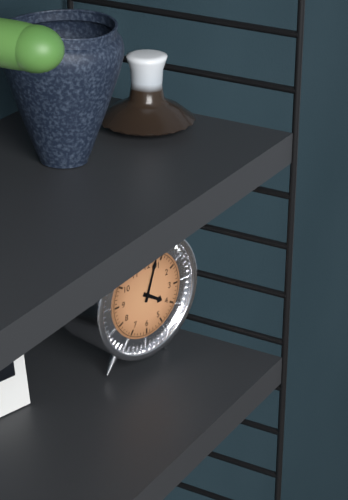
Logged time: {"hour": 4, "minute": 3}
